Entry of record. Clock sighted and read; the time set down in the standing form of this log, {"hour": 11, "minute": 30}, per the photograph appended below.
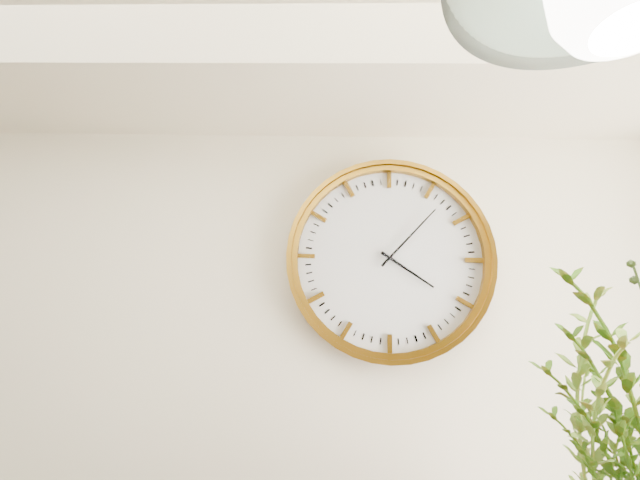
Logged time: {"hour": 4, "minute": 7}
